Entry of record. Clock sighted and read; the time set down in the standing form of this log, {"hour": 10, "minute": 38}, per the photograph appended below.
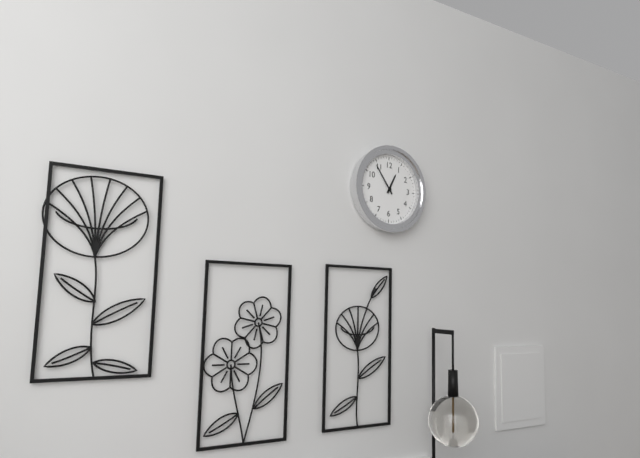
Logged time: {"hour": 12, "minute": 54}
